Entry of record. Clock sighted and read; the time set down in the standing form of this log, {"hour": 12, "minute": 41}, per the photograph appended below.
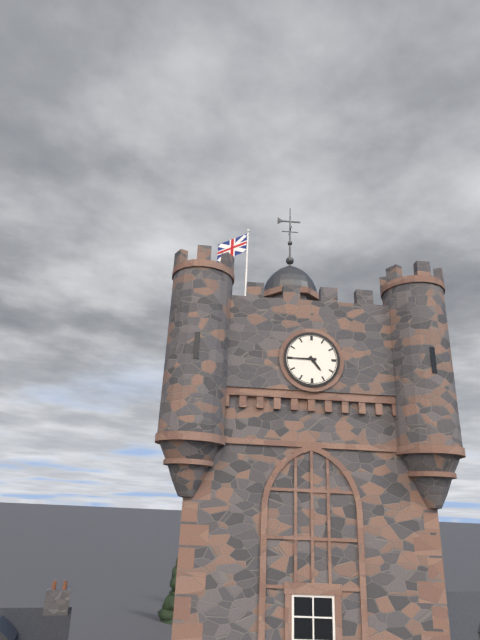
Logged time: {"hour": 4, "minute": 45}
